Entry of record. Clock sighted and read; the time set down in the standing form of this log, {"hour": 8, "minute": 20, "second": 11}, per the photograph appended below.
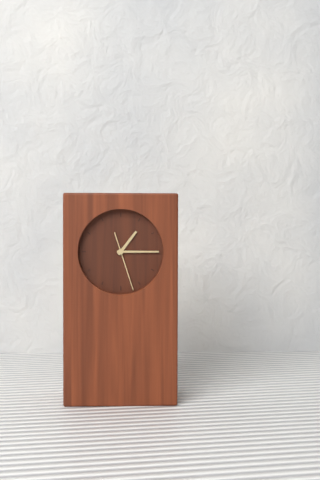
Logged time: {"hour": 1, "minute": 15, "second": 27}
